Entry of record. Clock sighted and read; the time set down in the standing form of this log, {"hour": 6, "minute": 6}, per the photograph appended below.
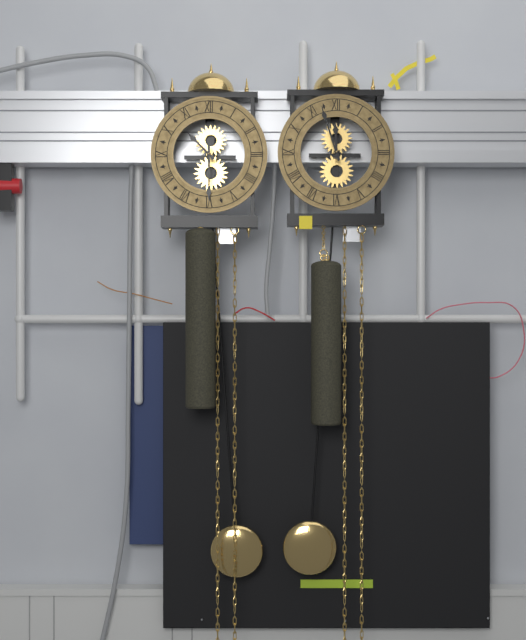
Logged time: {"hour": 10, "minute": 30}
